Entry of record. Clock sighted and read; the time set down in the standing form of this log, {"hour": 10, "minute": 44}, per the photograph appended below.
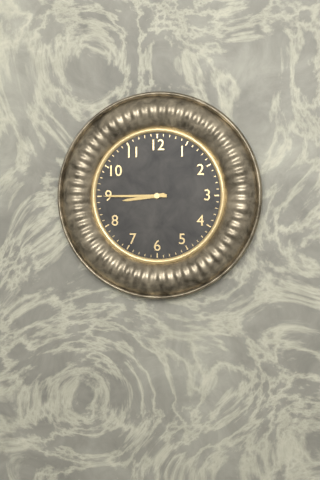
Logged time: {"hour": 8, "minute": 45}
